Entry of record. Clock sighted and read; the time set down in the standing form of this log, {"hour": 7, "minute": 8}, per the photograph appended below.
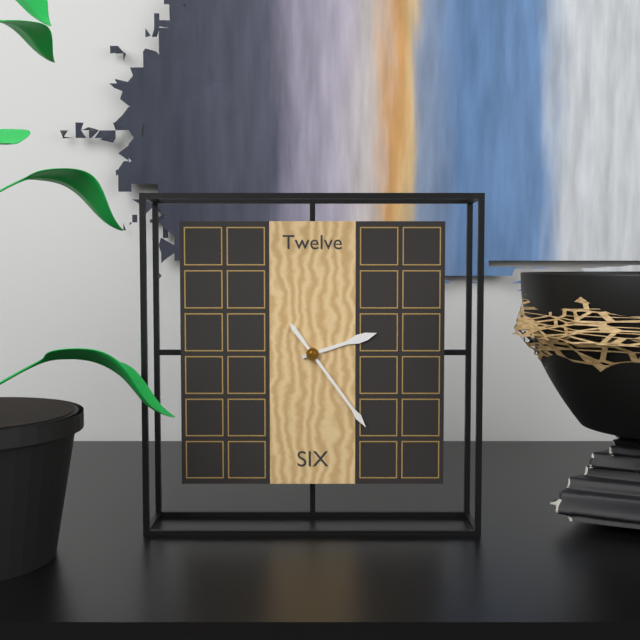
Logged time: {"hour": 2, "minute": 24}
